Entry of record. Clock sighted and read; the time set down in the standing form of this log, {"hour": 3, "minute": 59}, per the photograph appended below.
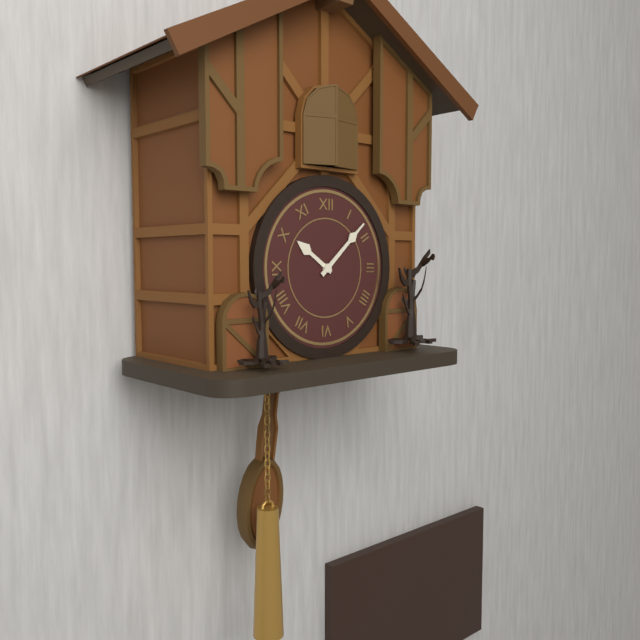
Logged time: {"hour": 10, "minute": 8}
